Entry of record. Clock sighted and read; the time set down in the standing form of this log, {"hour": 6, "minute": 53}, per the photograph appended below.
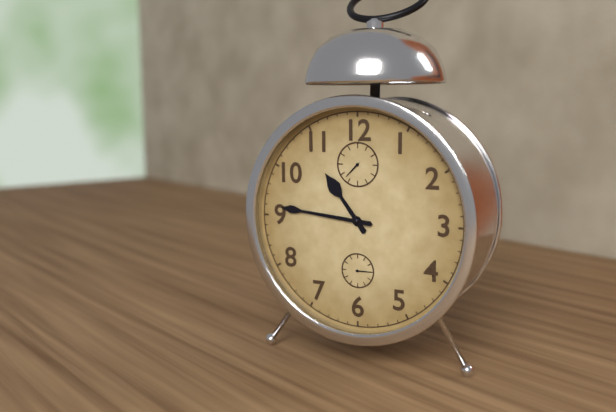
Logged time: {"hour": 10, "minute": 46}
